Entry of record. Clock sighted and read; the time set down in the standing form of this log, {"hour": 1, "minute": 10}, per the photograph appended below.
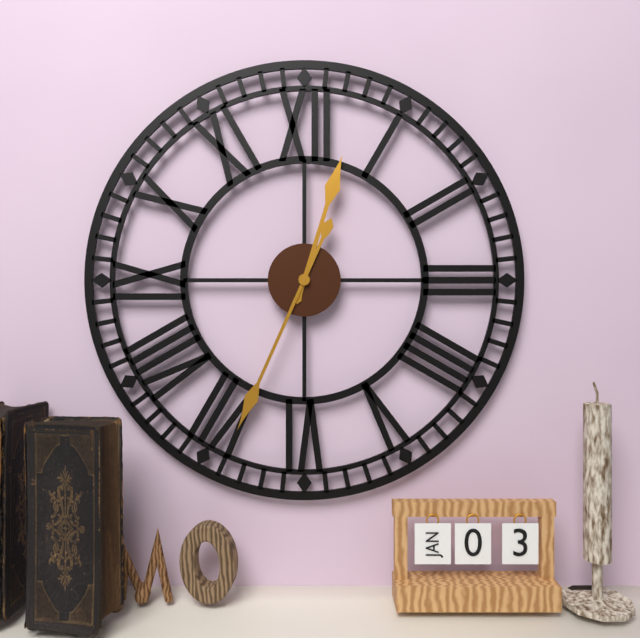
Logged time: {"hour": 12, "minute": 34}
